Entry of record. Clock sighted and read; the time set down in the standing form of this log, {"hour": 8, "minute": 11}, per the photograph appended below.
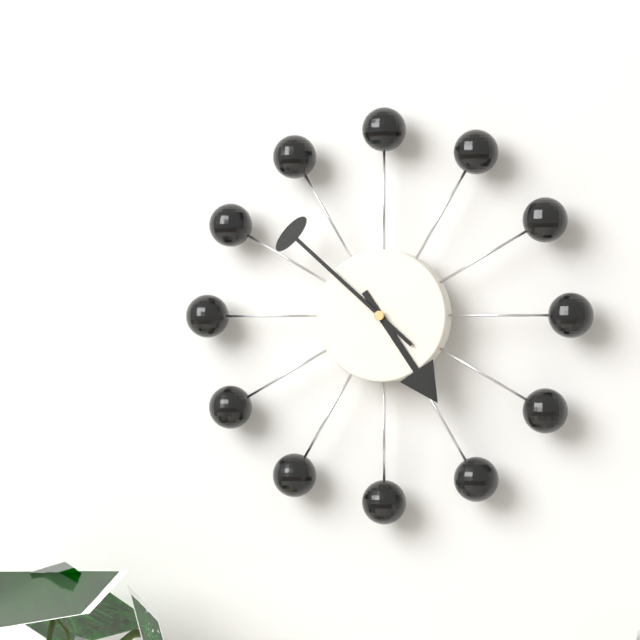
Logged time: {"hour": 4, "minute": 52}
